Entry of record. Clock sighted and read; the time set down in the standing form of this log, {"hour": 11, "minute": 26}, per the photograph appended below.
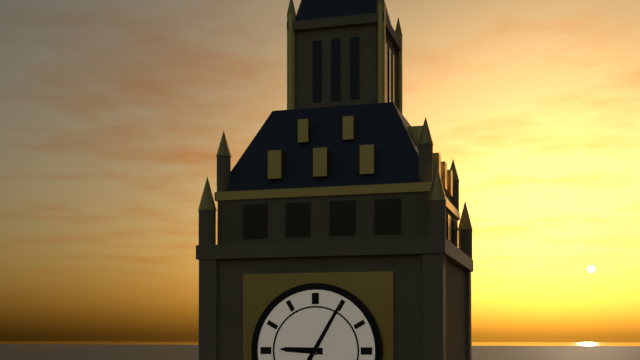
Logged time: {"hour": 9, "minute": 5}
